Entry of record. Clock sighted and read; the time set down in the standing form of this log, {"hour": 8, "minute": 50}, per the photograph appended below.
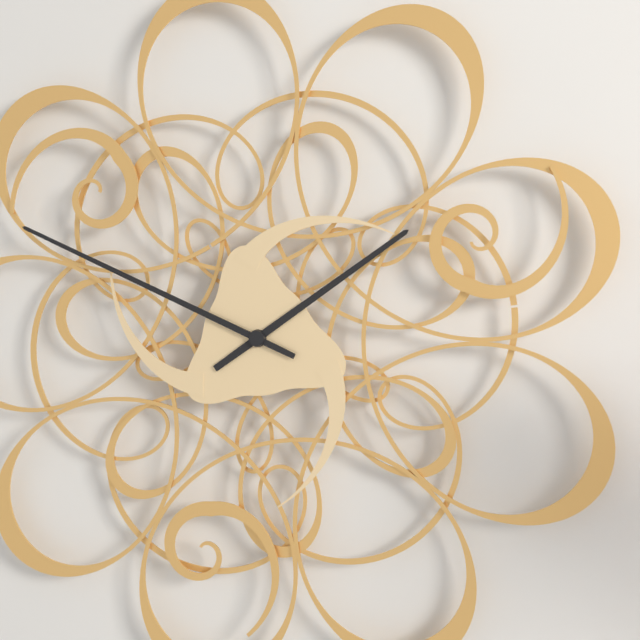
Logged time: {"hour": 1, "minute": 49}
